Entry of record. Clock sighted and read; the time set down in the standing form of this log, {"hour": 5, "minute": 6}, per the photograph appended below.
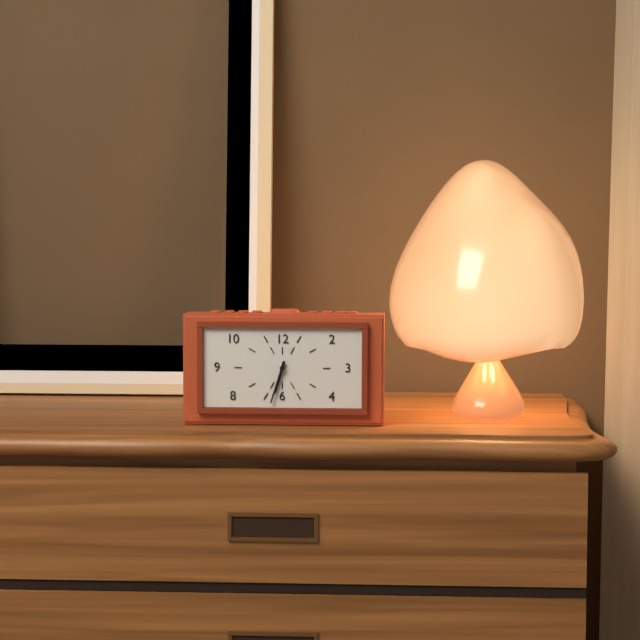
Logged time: {"hour": 6, "minute": 33}
